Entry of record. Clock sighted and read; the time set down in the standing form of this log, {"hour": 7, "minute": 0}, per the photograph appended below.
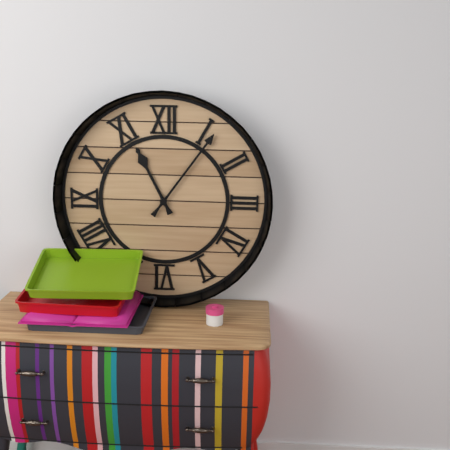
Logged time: {"hour": 11, "minute": 6}
